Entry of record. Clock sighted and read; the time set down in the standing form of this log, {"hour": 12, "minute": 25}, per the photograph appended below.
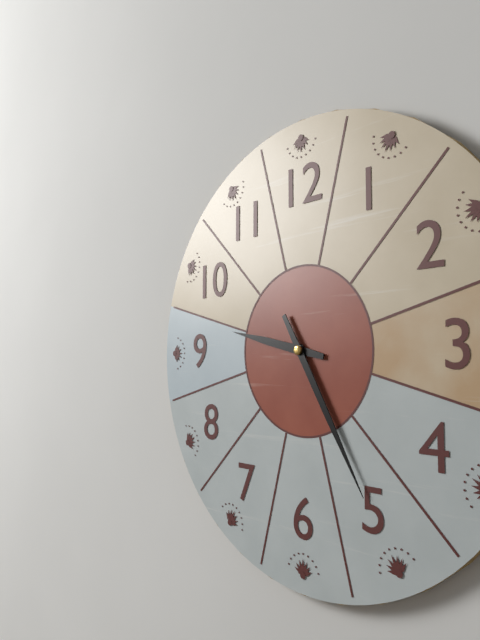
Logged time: {"hour": 9, "minute": 25}
